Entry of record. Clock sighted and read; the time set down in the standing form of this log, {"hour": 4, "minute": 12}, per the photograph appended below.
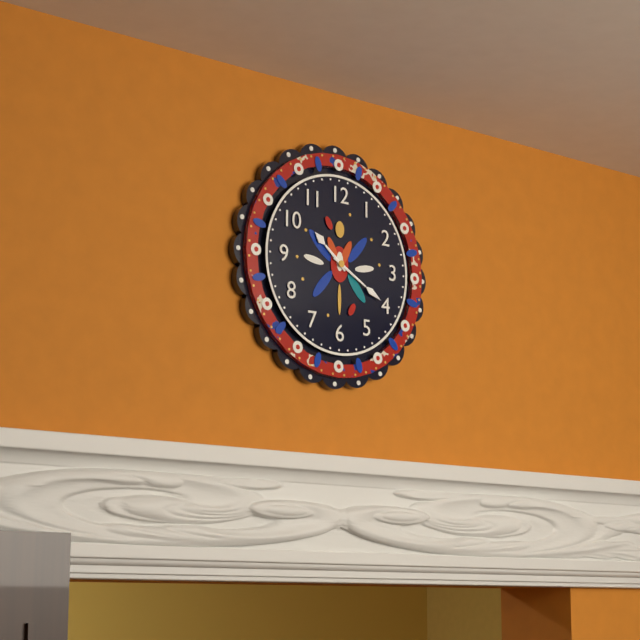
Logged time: {"hour": 10, "minute": 20}
